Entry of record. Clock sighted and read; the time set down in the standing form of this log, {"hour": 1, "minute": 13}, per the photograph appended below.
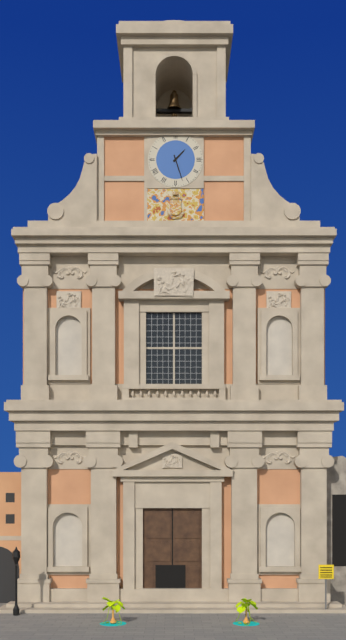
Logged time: {"hour": 1, "minute": 27}
